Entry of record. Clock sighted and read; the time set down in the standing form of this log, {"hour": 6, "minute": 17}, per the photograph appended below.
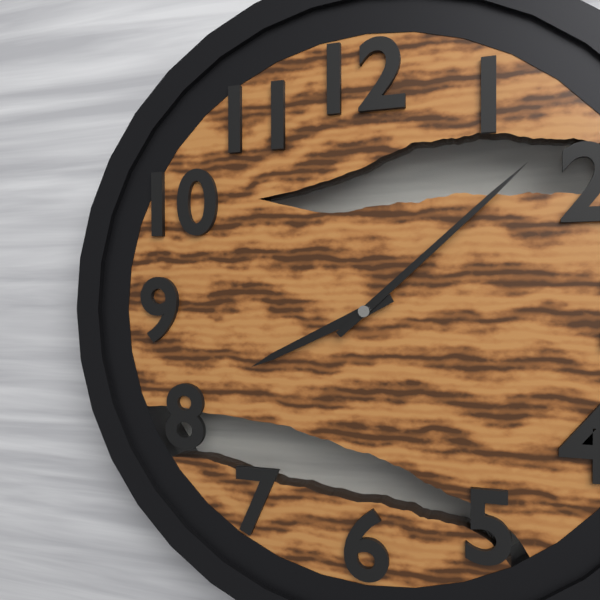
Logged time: {"hour": 8, "minute": 8}
